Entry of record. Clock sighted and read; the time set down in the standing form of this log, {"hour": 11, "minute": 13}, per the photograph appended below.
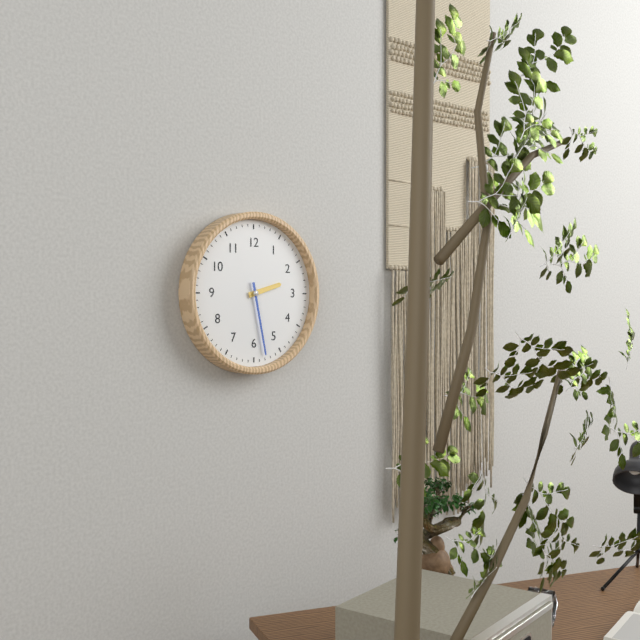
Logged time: {"hour": 2, "minute": 28}
